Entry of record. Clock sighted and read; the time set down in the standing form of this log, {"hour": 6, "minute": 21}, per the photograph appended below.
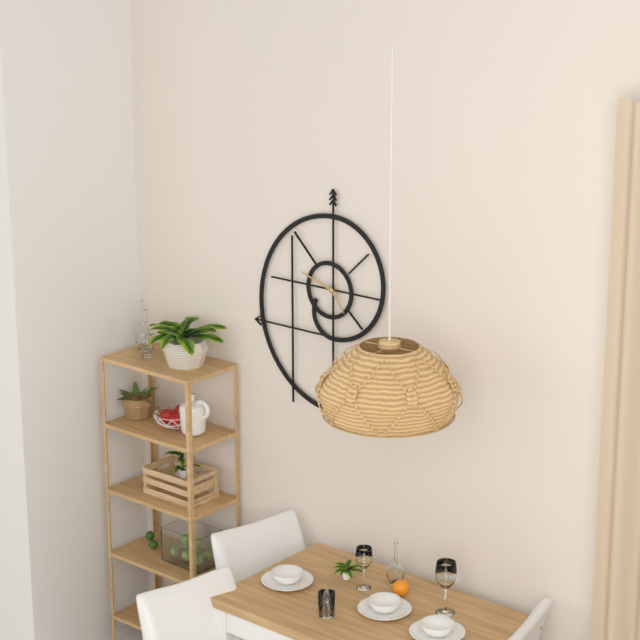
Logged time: {"hour": 4, "minute": 48}
